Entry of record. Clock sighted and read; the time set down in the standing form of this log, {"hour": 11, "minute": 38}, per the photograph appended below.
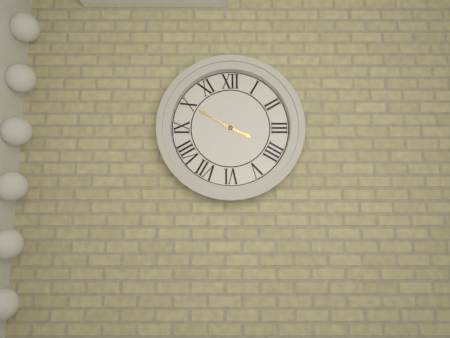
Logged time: {"hour": 3, "minute": 50}
